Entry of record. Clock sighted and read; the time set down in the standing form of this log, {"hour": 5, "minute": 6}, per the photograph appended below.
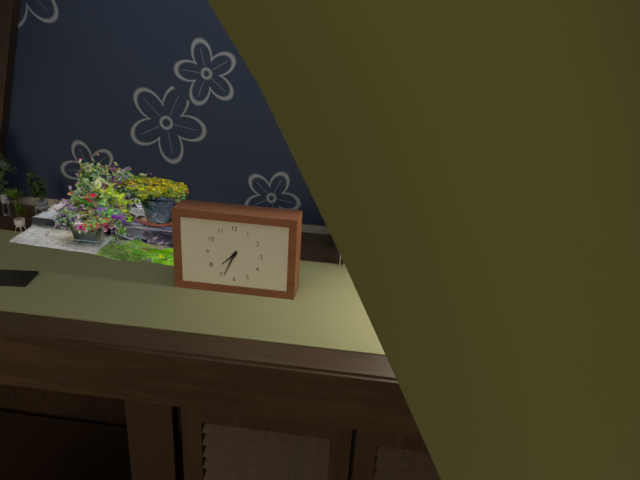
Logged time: {"hour": 7, "minute": 34}
